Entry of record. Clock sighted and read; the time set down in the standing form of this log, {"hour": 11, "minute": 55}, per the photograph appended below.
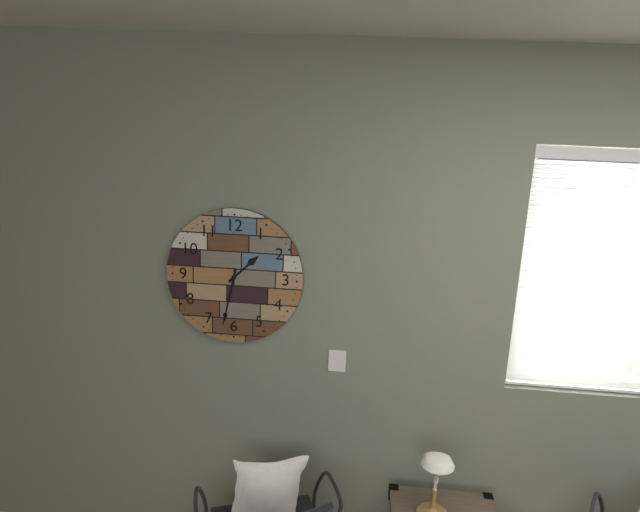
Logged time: {"hour": 1, "minute": 32}
